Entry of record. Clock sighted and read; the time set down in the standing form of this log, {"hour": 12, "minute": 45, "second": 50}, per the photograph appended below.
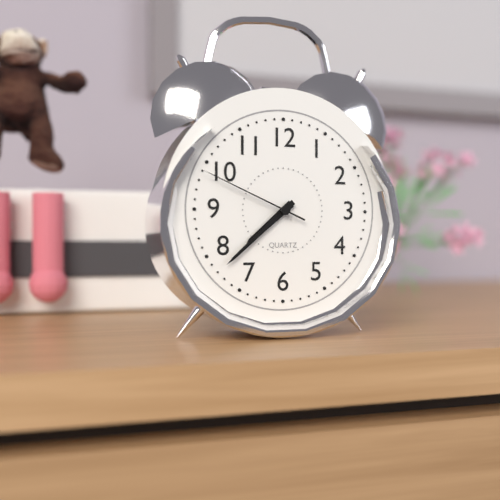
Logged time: {"hour": 7, "minute": 38, "second": 49}
